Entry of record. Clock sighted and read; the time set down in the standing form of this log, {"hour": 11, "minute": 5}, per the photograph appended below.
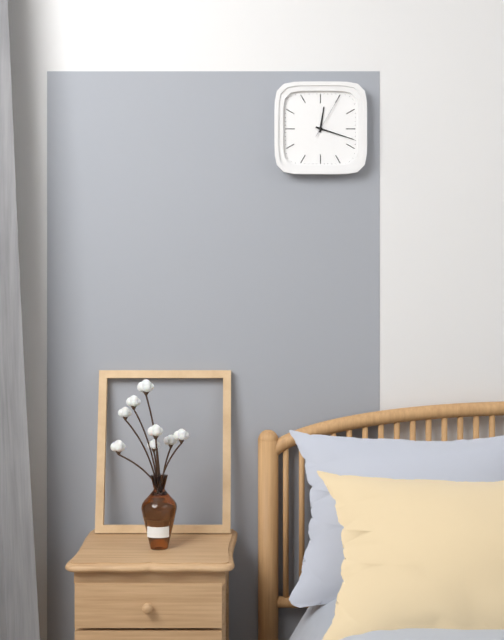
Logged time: {"hour": 12, "minute": 18}
